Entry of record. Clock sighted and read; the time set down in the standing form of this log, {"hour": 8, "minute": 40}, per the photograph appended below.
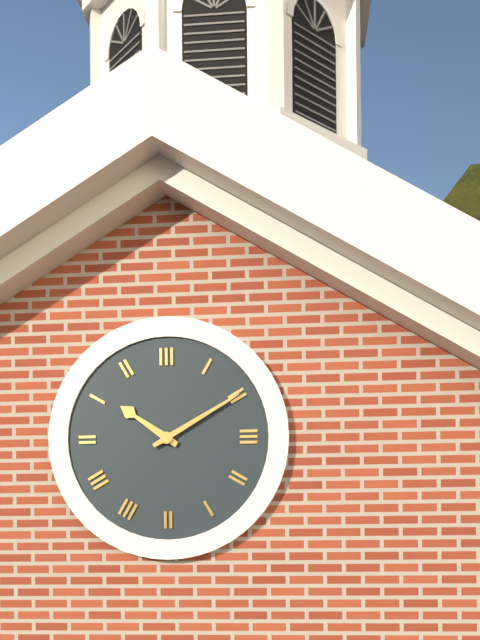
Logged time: {"hour": 10, "minute": 10}
